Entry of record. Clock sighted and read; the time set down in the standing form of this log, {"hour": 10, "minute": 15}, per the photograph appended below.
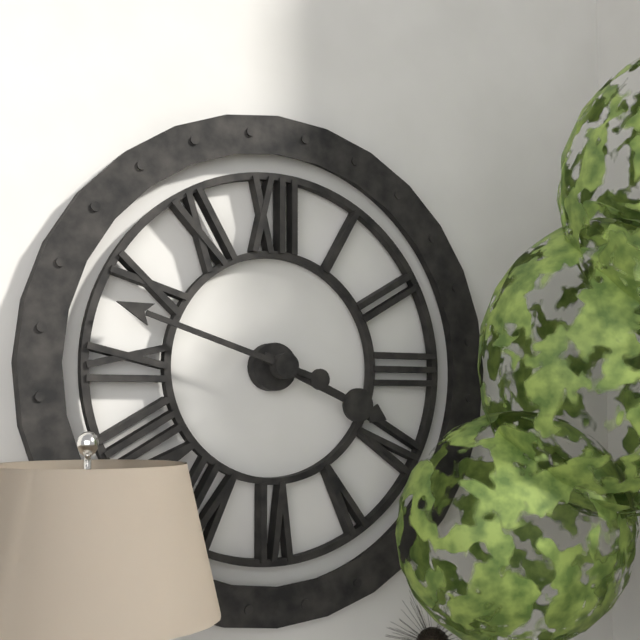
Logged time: {"hour": 3, "minute": 48}
